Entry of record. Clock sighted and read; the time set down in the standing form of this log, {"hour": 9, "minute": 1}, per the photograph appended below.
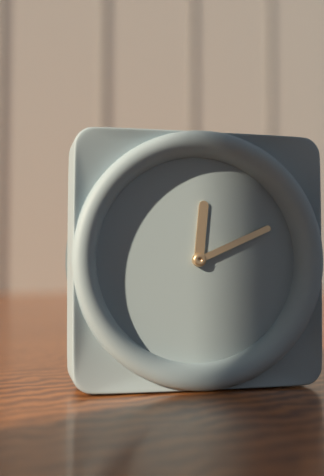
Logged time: {"hour": 12, "minute": 11}
